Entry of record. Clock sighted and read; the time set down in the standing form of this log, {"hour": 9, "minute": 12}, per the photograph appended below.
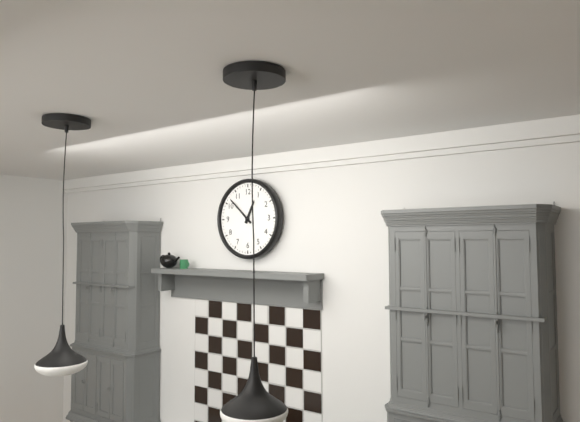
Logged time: {"hour": 12, "minute": 52}
